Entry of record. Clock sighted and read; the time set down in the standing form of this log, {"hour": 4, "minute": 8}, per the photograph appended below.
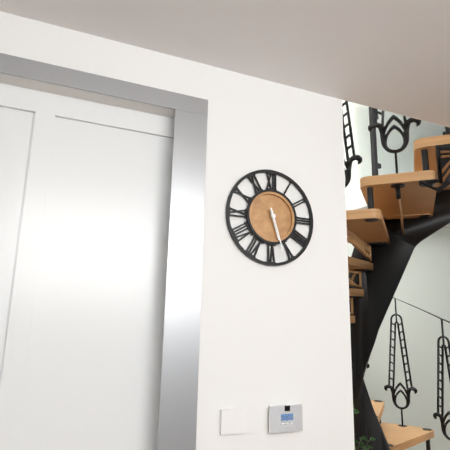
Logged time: {"hour": 5, "minute": 27}
